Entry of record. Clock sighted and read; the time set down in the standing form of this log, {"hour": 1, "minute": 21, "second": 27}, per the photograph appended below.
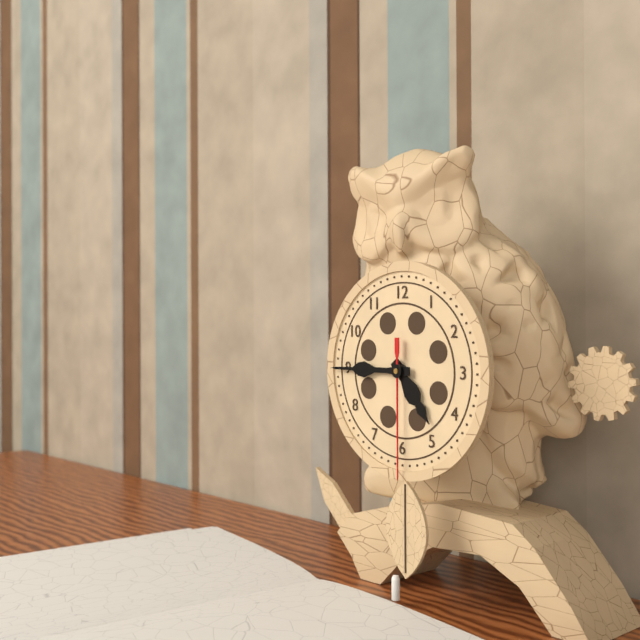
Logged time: {"hour": 4, "minute": 45, "second": 30}
